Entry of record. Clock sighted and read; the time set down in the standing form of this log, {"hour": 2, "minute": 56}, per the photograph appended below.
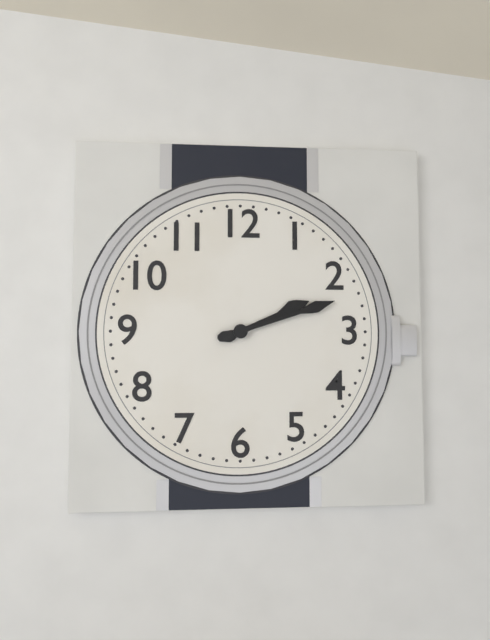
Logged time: {"hour": 2, "minute": 12}
